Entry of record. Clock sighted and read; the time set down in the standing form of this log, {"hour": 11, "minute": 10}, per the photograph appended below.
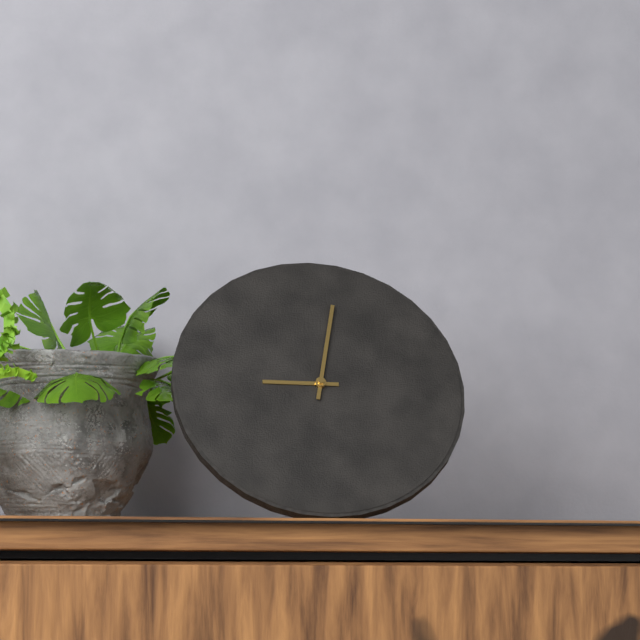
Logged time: {"hour": 9, "minute": 2}
